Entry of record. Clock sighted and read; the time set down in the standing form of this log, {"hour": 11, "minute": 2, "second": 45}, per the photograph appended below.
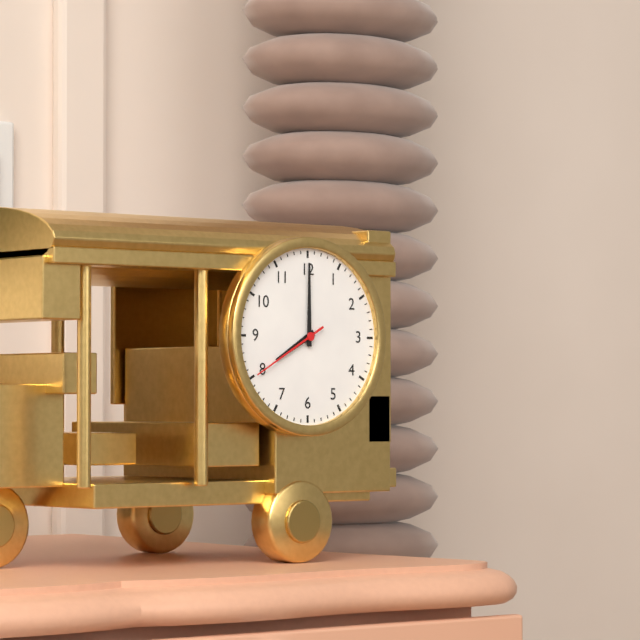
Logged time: {"hour": 8, "minute": 0, "second": 40}
